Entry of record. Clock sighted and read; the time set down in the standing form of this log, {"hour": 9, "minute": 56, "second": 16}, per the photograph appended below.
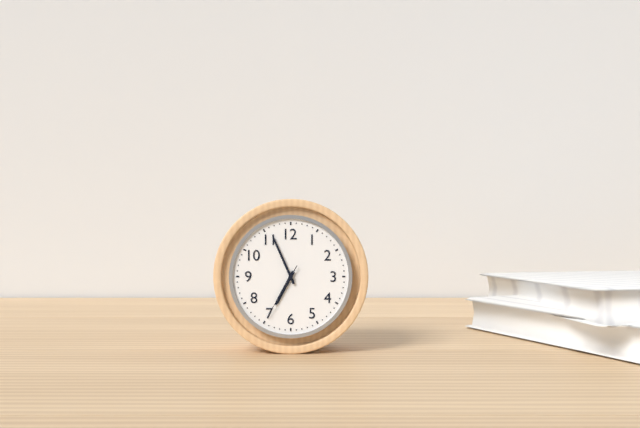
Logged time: {"hour": 6, "minute": 56, "second": 35}
